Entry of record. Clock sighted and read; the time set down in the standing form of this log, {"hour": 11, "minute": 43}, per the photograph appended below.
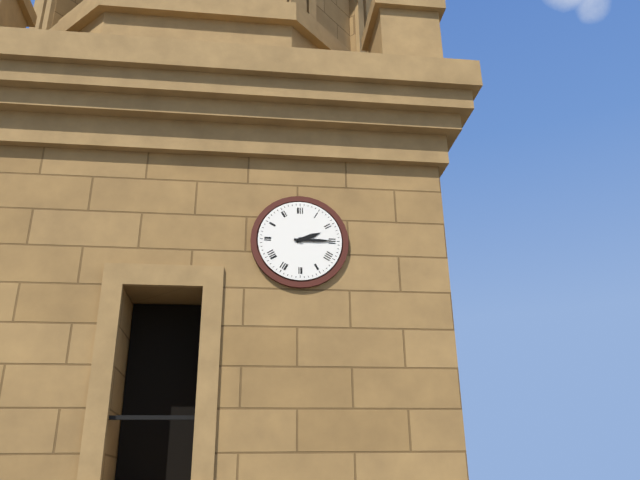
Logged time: {"hour": 2, "minute": 15}
